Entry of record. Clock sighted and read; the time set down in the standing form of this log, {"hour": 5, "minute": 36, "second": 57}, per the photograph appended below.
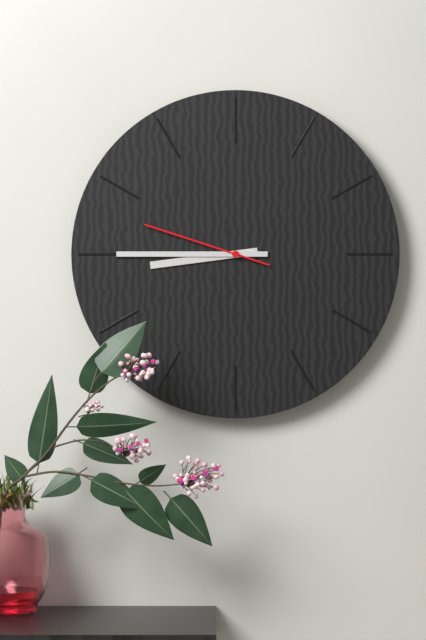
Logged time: {"hour": 8, "minute": 45, "second": 48}
